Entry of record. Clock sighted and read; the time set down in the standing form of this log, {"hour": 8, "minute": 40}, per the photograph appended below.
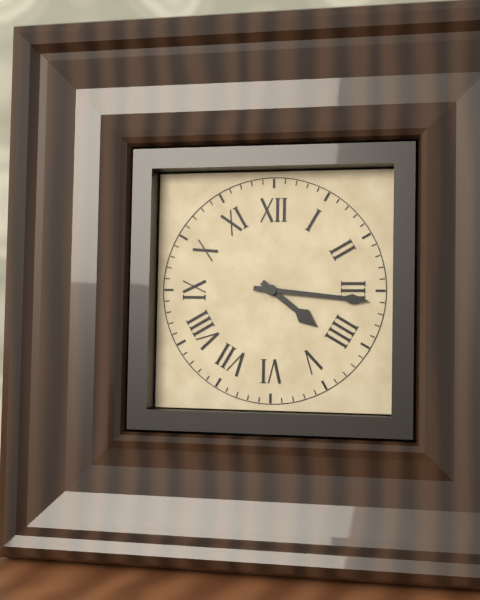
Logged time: {"hour": 4, "minute": 16}
